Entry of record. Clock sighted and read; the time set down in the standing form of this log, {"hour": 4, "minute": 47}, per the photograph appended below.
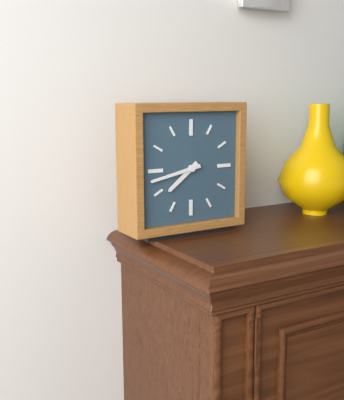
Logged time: {"hour": 7, "minute": 43}
